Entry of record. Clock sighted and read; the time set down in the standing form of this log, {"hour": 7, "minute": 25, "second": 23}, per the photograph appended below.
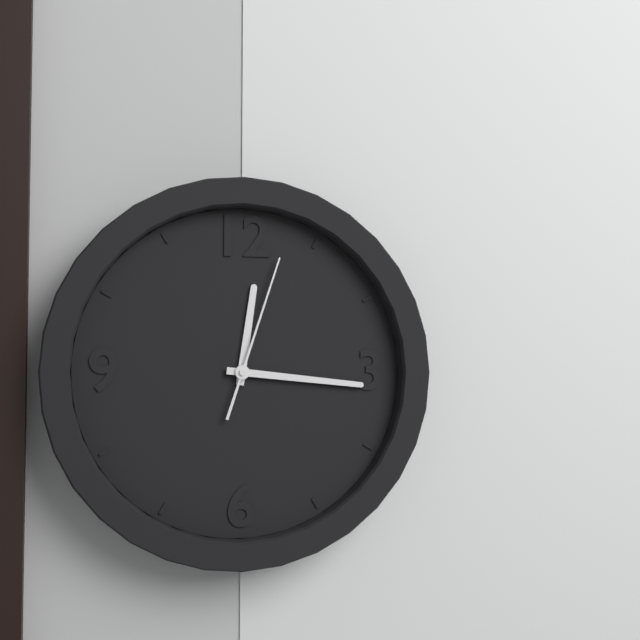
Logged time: {"hour": 12, "minute": 16, "second": 3}
